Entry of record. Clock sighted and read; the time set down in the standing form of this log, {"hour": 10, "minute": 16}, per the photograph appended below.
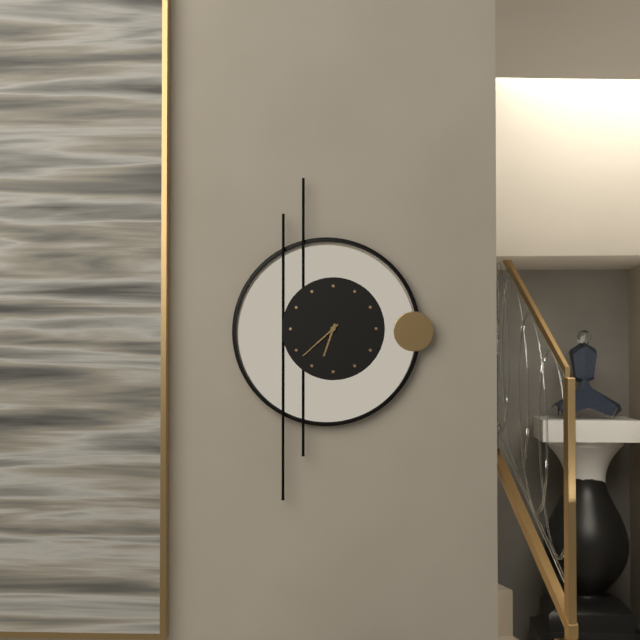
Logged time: {"hour": 6, "minute": 38}
